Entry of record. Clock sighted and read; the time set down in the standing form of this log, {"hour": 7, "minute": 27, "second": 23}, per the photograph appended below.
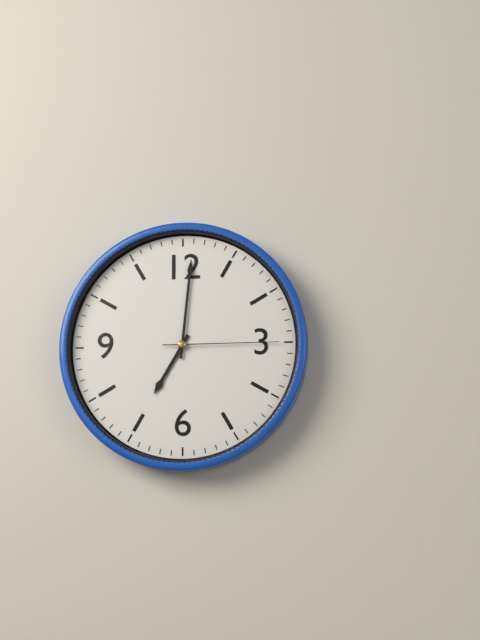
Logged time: {"hour": 7, "minute": 1, "second": 15}
